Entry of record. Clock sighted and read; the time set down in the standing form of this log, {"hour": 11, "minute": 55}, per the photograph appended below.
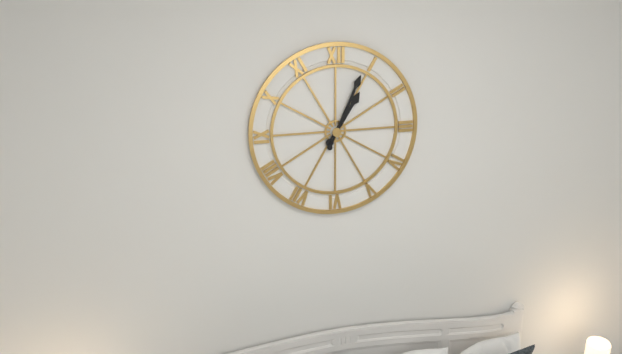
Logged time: {"hour": 1, "minute": 4}
